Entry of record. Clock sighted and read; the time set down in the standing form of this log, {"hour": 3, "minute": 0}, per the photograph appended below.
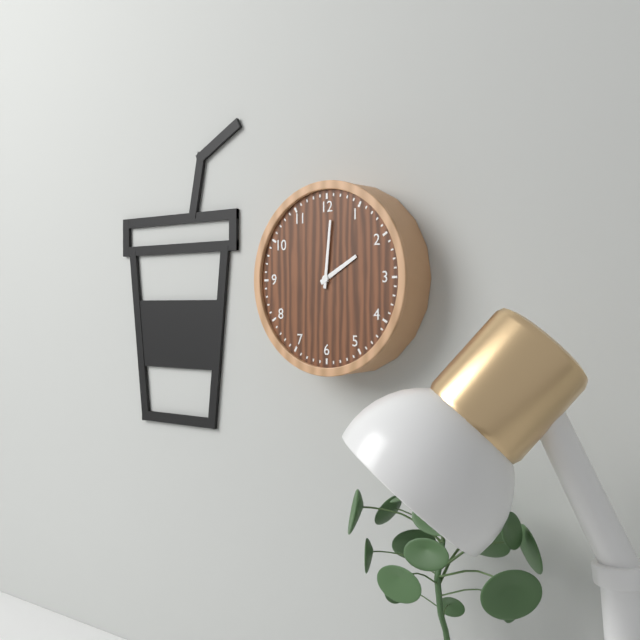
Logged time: {"hour": 2, "minute": 1}
